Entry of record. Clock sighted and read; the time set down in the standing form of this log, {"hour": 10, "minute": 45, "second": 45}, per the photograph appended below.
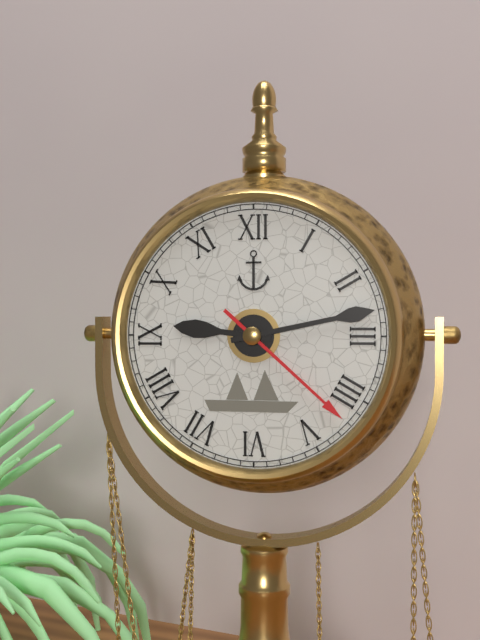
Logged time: {"hour": 9, "minute": 13, "second": 22}
